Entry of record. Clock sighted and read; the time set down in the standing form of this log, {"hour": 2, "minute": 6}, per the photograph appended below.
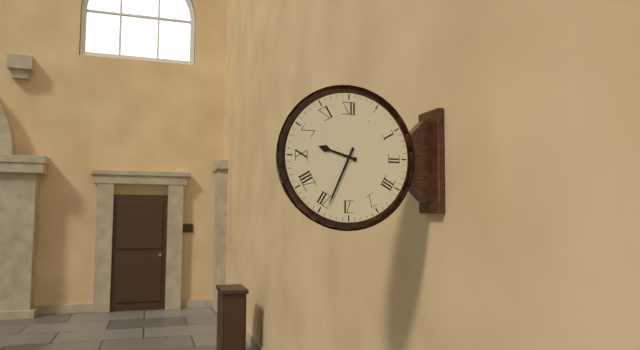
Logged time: {"hour": 9, "minute": 34}
